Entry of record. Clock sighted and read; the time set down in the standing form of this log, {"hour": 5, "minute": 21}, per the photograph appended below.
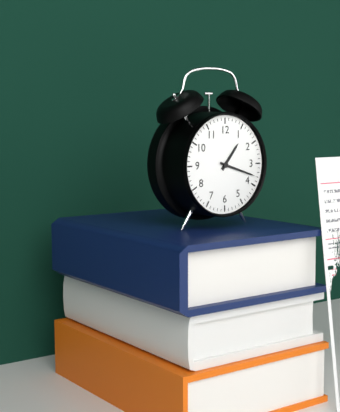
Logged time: {"hour": 1, "minute": 18}
